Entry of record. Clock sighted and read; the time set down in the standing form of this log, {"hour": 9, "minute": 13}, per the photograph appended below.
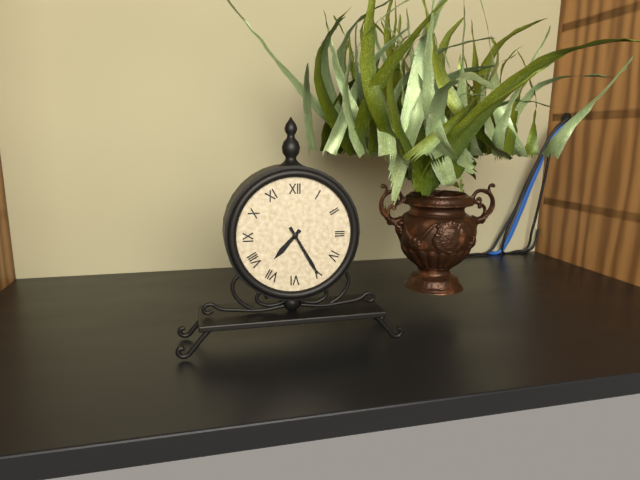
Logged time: {"hour": 7, "minute": 25}
